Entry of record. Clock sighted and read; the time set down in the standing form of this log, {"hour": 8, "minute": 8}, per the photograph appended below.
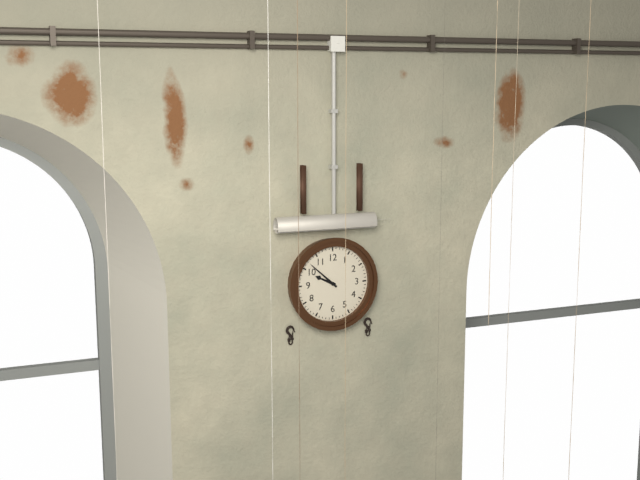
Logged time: {"hour": 9, "minute": 52}
